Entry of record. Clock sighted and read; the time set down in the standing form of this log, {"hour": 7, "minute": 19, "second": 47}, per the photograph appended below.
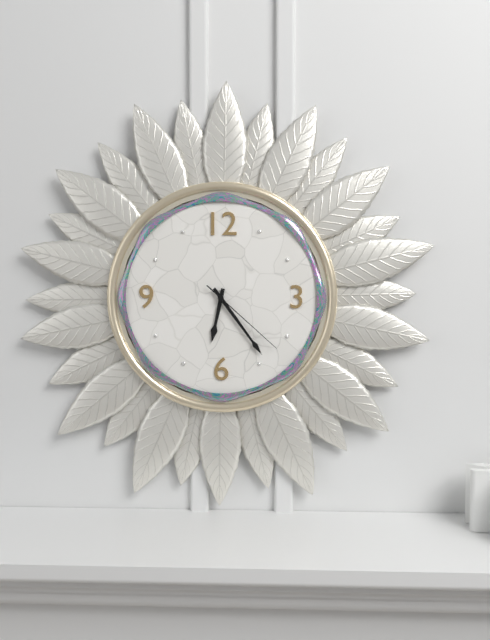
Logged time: {"hour": 6, "minute": 24, "second": 22}
